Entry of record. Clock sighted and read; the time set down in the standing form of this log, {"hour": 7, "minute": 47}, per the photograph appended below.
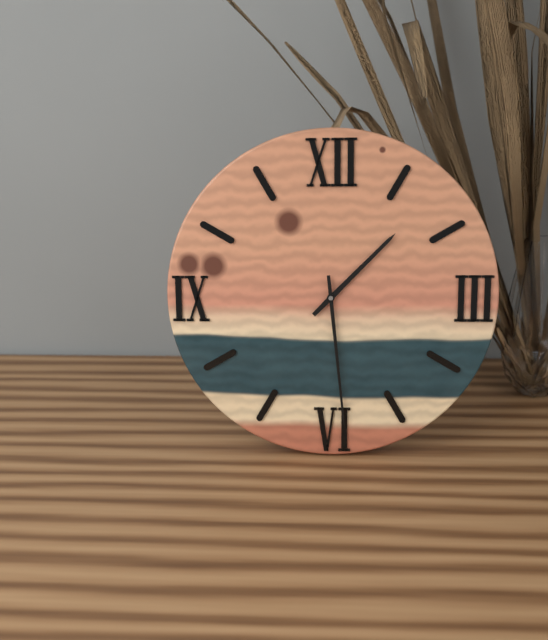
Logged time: {"hour": 1, "minute": 29}
